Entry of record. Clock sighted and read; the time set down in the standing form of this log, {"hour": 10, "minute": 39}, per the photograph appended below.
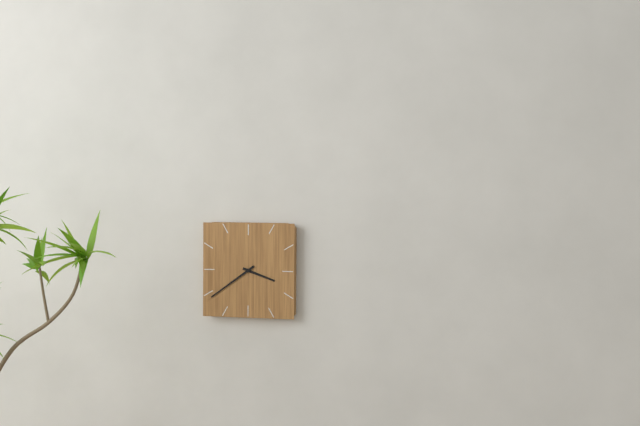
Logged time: {"hour": 3, "minute": 39}
